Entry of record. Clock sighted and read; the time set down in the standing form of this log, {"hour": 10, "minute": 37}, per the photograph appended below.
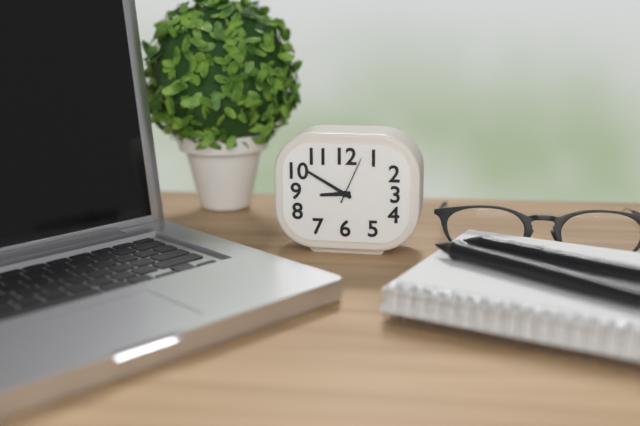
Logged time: {"hour": 8, "minute": 50}
